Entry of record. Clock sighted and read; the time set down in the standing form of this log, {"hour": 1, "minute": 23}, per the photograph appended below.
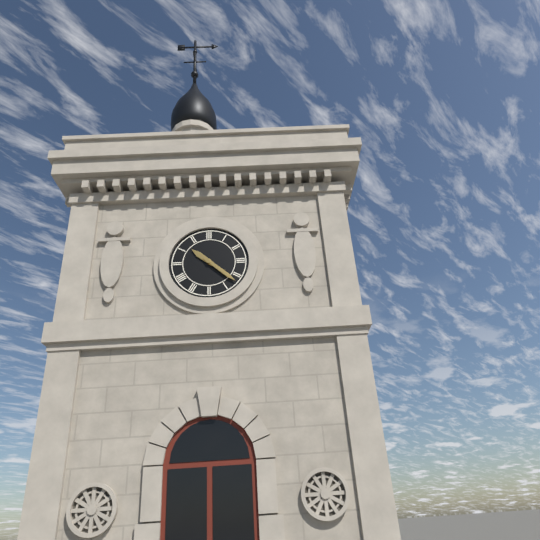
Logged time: {"hour": 10, "minute": 22}
